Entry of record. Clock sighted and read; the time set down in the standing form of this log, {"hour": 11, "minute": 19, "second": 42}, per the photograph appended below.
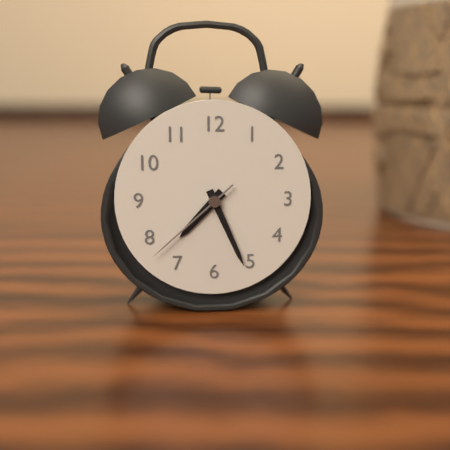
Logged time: {"hour": 7, "minute": 26, "second": 38}
